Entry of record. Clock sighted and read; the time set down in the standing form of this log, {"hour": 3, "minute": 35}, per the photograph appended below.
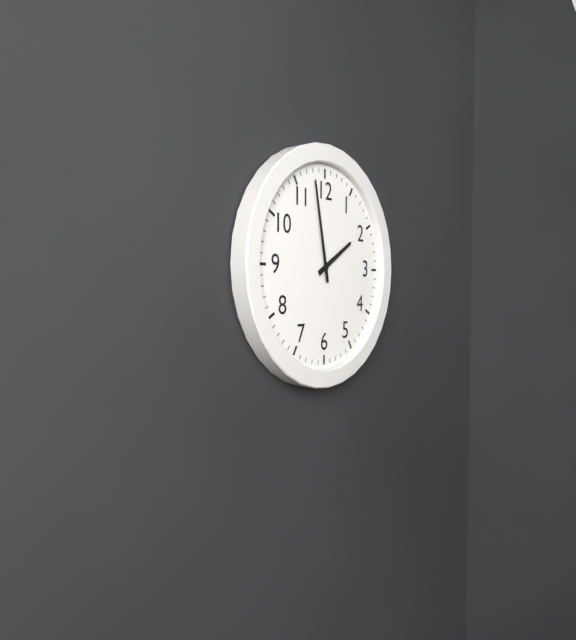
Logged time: {"hour": 1, "minute": 58}
